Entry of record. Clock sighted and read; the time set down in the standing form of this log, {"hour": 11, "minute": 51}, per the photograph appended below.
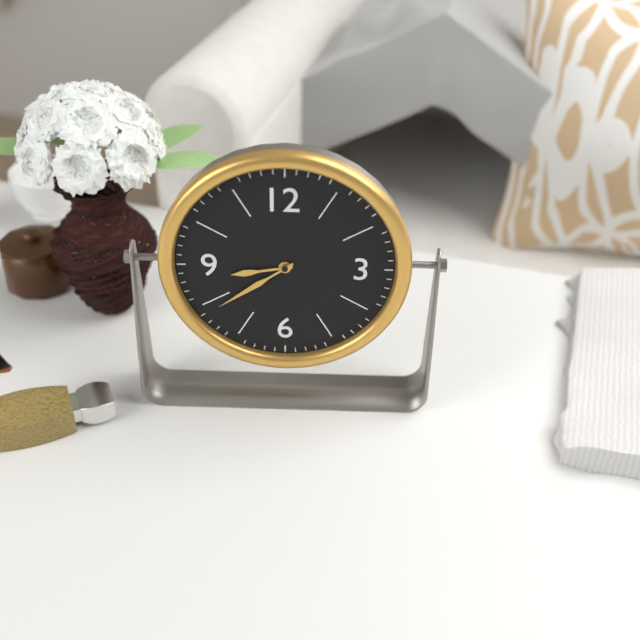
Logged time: {"hour": 8, "minute": 39}
